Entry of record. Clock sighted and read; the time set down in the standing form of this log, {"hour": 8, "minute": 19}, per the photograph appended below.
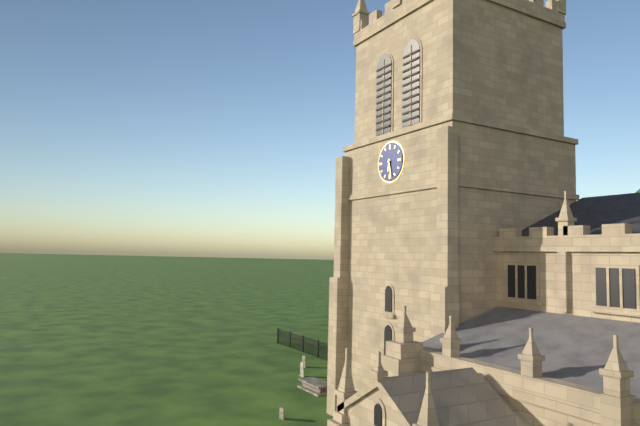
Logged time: {"hour": 6, "minute": 28}
